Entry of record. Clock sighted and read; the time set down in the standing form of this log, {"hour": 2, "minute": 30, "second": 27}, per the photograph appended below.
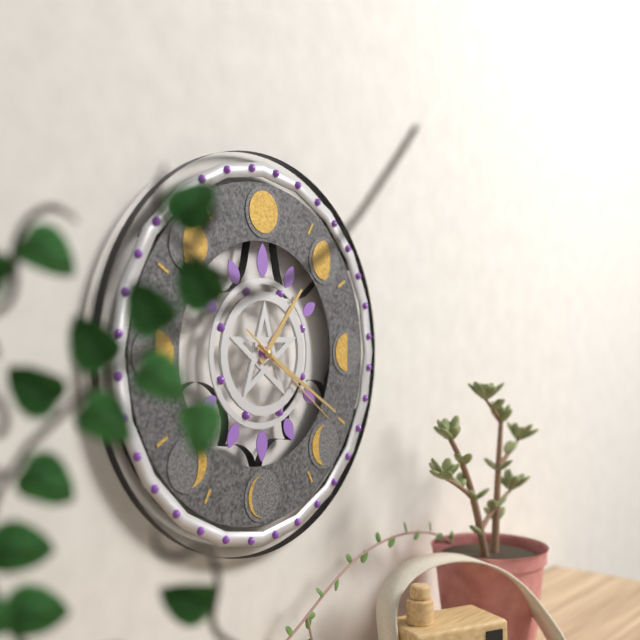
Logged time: {"hour": 1, "minute": 20, "second": 21}
